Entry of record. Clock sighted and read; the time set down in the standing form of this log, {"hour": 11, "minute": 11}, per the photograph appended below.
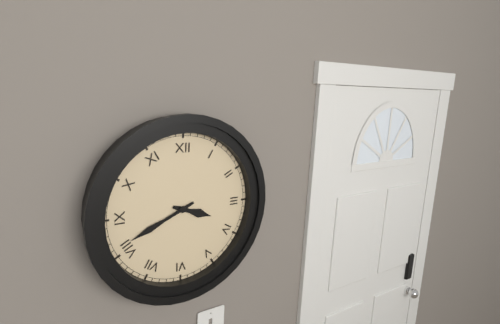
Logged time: {"hour": 3, "minute": 41}
